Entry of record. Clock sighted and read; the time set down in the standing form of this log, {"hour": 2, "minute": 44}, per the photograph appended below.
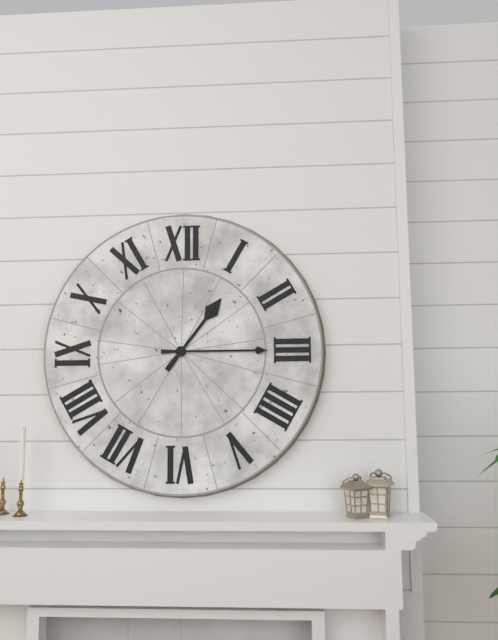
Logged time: {"hour": 1, "minute": 15}
